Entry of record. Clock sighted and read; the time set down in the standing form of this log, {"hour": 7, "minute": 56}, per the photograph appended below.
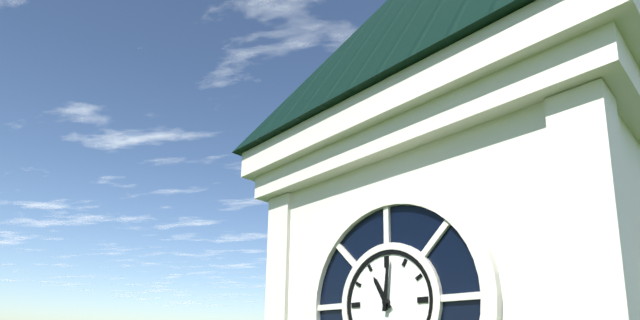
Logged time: {"hour": 11, "minute": 1}
